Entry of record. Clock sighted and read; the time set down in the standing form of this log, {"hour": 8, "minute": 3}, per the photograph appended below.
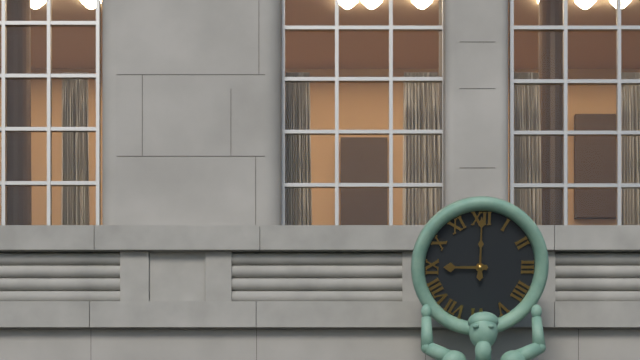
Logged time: {"hour": 9, "minute": 0}
